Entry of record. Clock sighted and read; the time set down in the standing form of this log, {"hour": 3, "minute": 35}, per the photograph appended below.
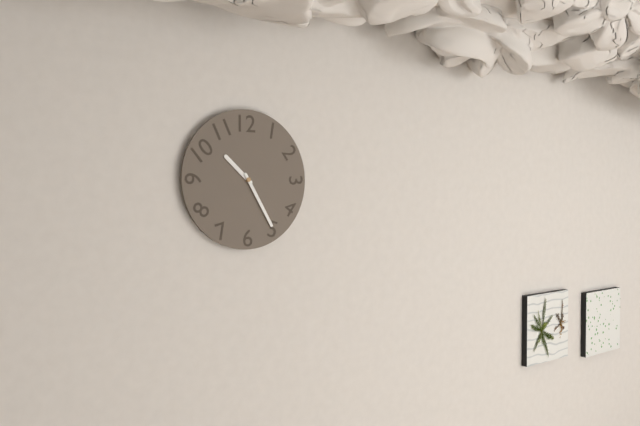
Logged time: {"hour": 10, "minute": 25}
